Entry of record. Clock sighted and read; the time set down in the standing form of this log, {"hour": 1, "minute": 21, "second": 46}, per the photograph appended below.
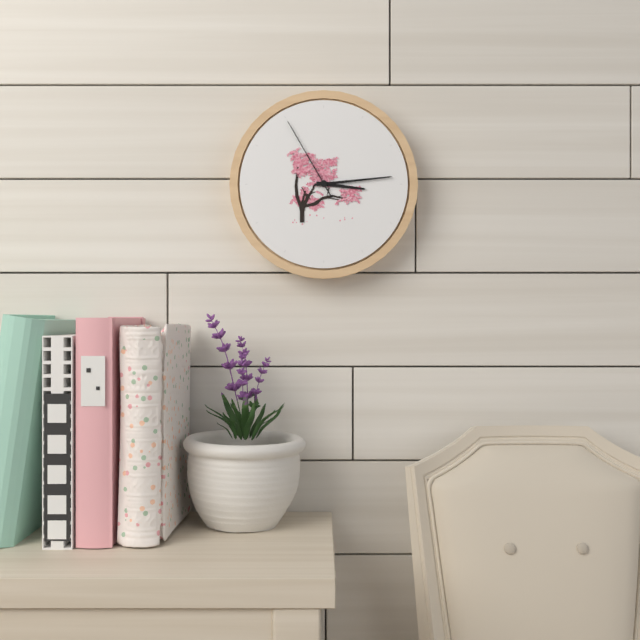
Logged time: {"hour": 3, "minute": 14, "second": 55}
